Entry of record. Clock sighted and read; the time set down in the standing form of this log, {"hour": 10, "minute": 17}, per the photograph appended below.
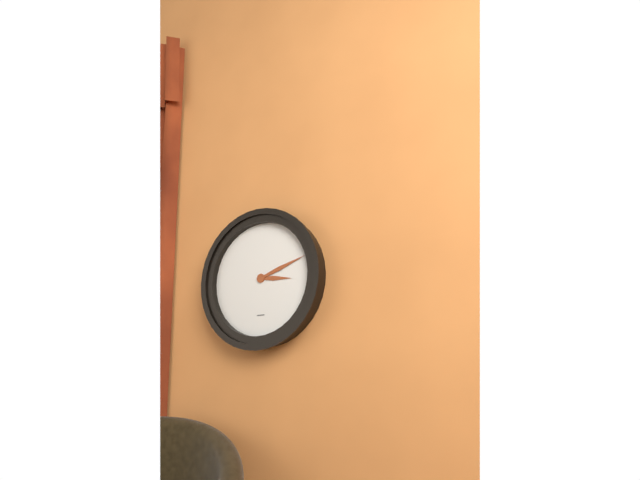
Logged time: {"hour": 3, "minute": 12}
